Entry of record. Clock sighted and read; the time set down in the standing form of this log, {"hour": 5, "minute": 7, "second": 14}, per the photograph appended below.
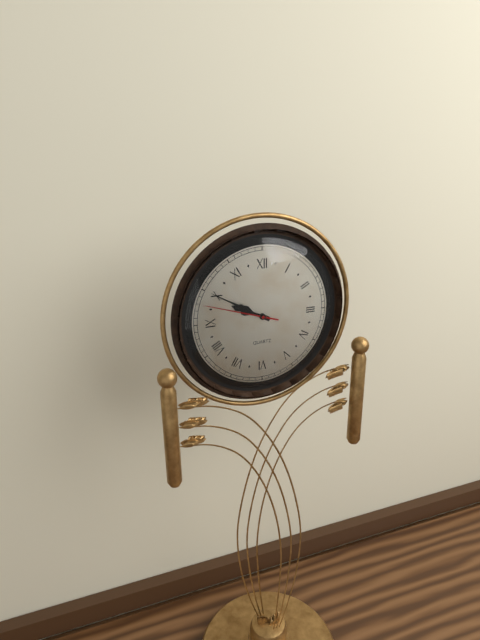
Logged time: {"hour": 9, "minute": 50, "second": 48}
